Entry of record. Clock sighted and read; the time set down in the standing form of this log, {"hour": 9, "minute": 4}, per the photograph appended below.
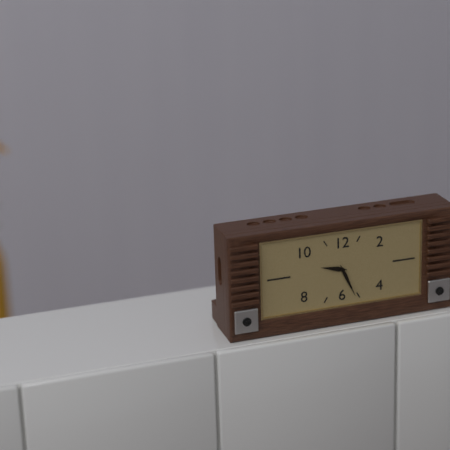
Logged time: {"hour": 9, "minute": 26}
